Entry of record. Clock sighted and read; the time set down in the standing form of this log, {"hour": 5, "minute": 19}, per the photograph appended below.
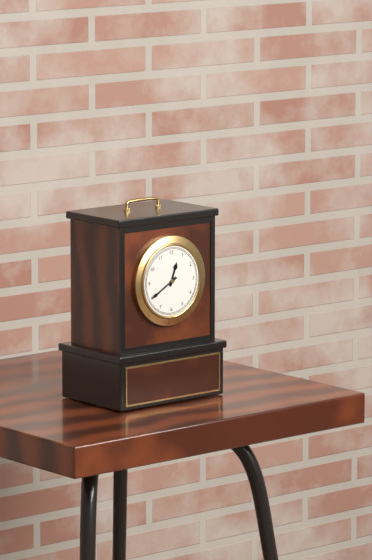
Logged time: {"hour": 12, "minute": 40}
